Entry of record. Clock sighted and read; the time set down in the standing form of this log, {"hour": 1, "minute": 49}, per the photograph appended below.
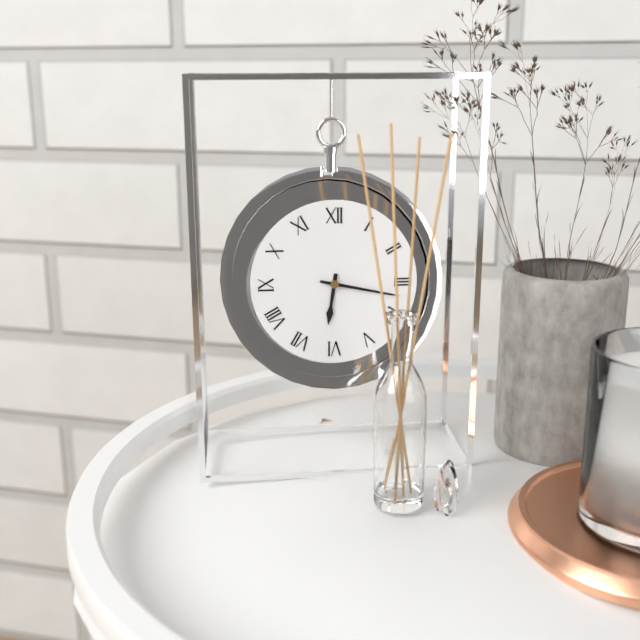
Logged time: {"hour": 6, "minute": 17}
